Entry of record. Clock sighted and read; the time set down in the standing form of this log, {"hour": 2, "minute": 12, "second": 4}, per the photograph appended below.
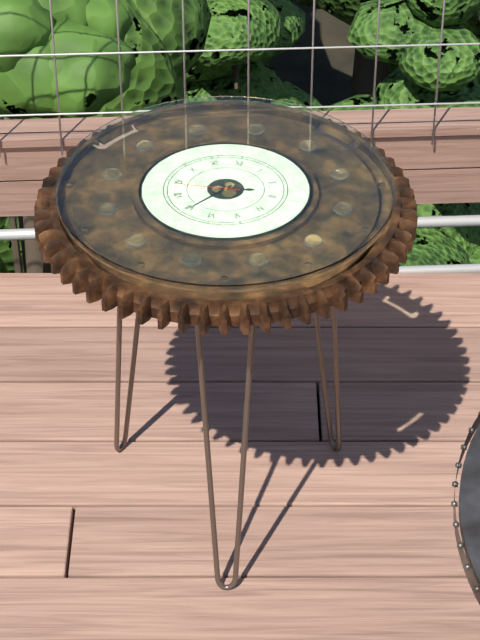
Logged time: {"hour": 2, "minute": 35, "second": 44}
